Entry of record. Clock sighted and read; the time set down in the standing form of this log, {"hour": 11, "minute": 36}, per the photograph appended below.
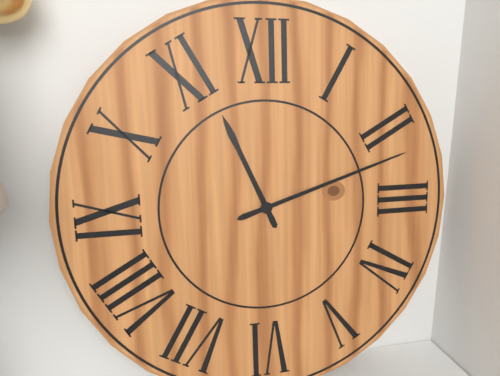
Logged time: {"hour": 11, "minute": 12}
